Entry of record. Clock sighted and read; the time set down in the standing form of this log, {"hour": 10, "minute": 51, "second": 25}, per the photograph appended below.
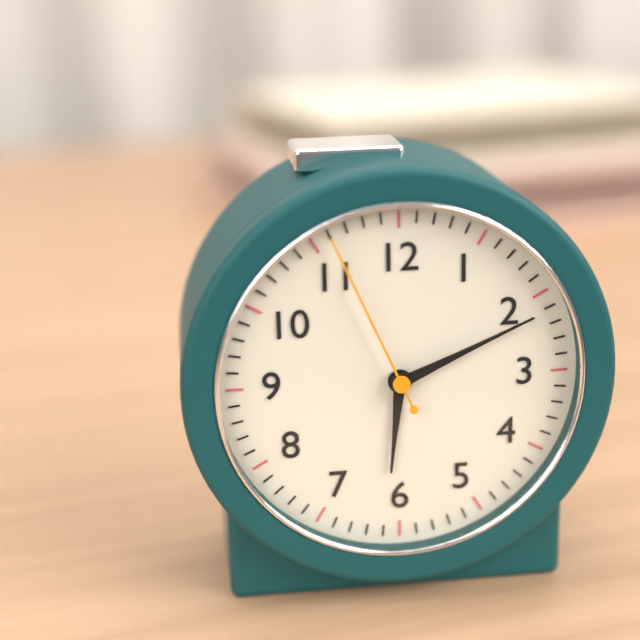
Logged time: {"hour": 6, "minute": 11, "second": 56}
